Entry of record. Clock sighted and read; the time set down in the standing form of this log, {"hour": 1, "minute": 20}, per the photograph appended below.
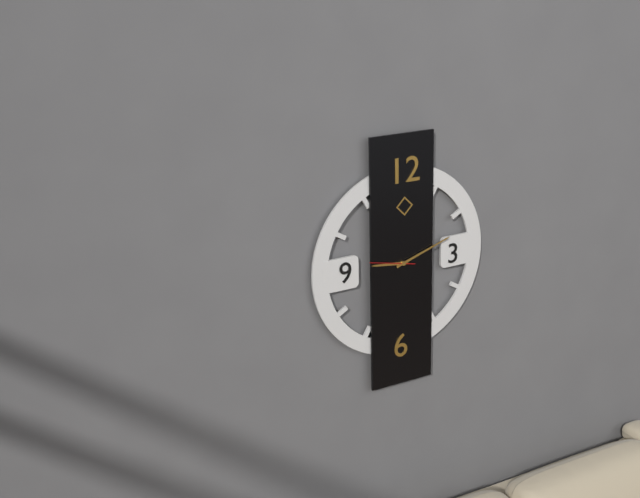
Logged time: {"hour": 9, "minute": 12}
